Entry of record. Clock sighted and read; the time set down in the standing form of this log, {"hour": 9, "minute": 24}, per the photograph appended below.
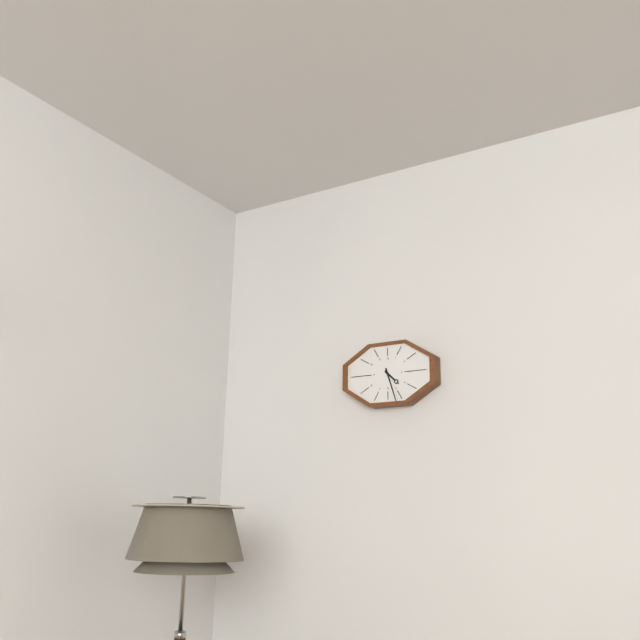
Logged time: {"hour": 4, "minute": 27}
